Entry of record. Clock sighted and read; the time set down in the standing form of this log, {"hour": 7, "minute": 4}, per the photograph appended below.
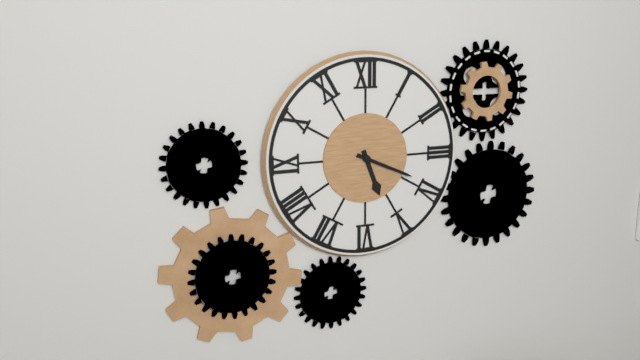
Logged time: {"hour": 5, "minute": 19}
